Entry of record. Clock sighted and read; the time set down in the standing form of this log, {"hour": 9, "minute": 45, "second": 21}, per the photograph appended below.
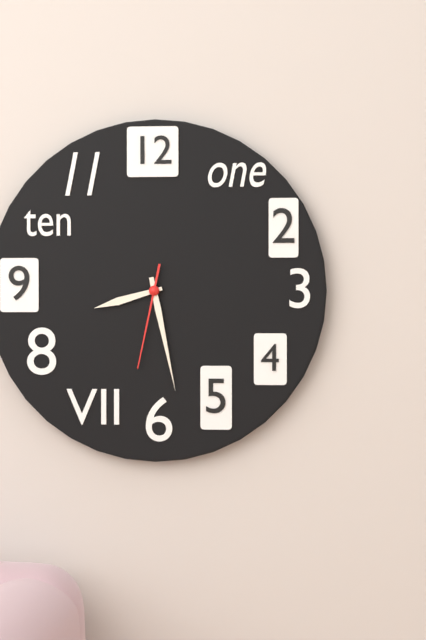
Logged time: {"hour": 8, "minute": 28, "second": 32}
